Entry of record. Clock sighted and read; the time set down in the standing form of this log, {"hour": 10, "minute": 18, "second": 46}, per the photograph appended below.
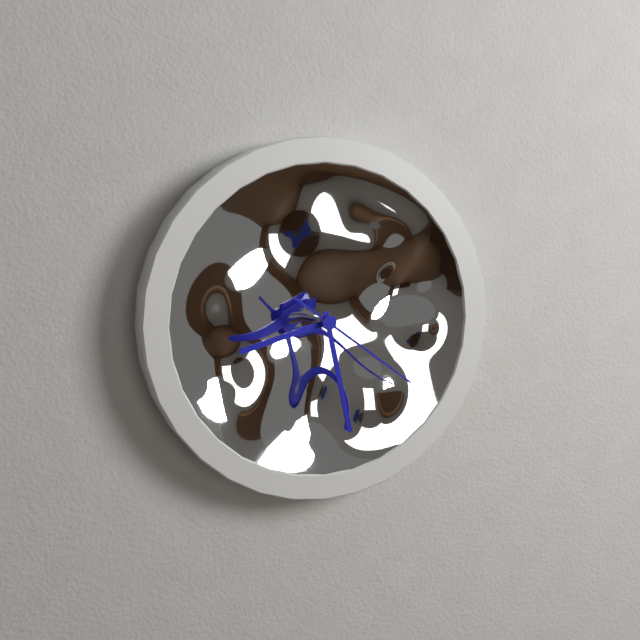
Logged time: {"hour": 8, "minute": 28, "second": 21}
